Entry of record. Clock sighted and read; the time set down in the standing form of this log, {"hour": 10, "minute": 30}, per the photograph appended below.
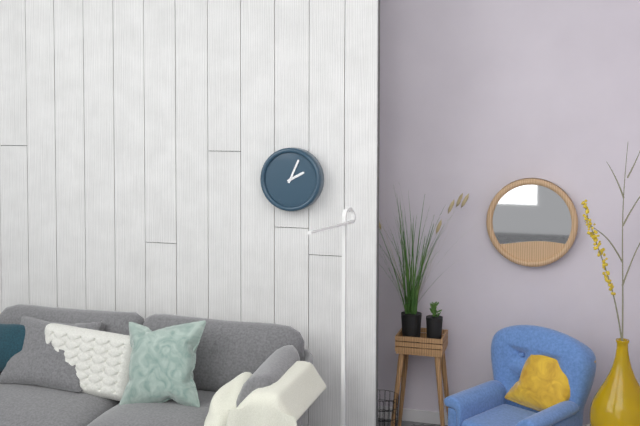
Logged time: {"hour": 2, "minute": 4}
